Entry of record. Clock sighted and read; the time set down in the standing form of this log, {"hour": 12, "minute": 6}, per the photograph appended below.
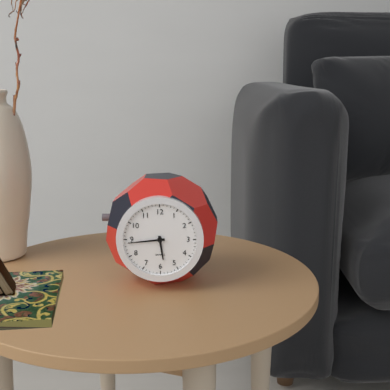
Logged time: {"hour": 5, "minute": 44}
